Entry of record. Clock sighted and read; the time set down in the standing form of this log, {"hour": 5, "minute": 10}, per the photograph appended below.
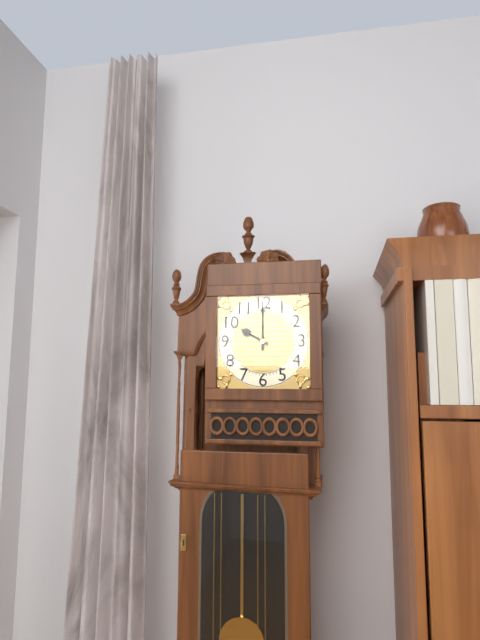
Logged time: {"hour": 10, "minute": 0}
